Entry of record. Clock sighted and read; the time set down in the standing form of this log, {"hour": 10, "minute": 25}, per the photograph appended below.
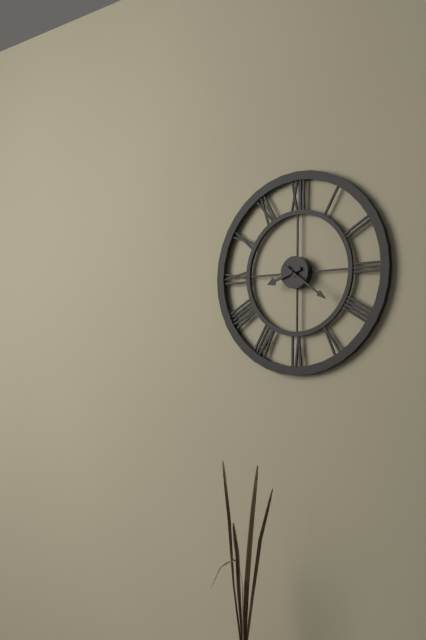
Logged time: {"hour": 8, "minute": 21}
